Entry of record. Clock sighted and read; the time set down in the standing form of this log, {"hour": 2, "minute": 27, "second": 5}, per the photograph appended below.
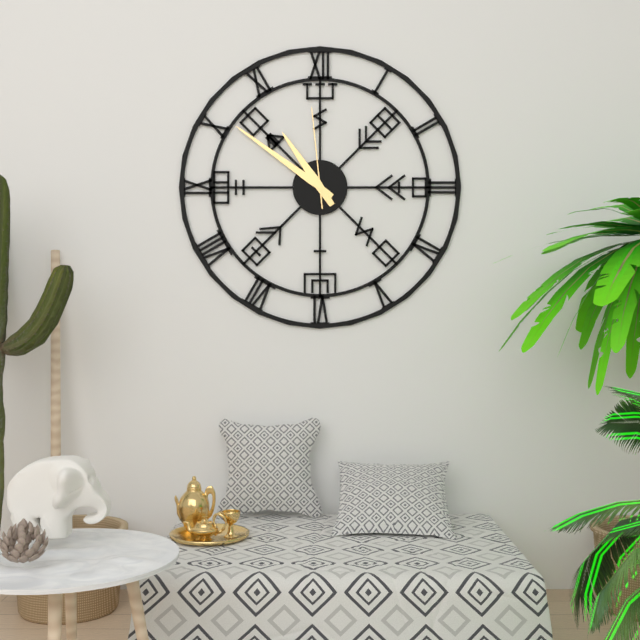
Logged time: {"hour": 10, "minute": 51, "second": 59}
